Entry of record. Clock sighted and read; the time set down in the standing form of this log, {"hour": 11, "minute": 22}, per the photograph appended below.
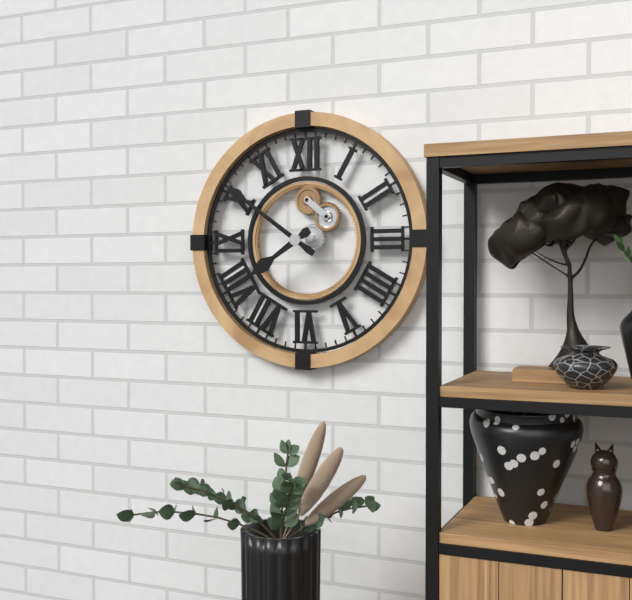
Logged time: {"hour": 7, "minute": 51}
